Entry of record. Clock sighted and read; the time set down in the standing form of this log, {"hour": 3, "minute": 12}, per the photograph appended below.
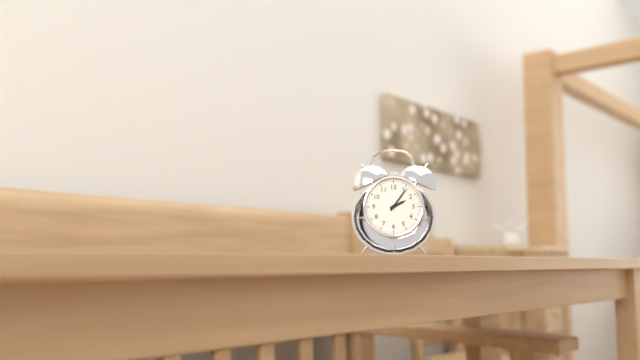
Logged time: {"hour": 2, "minute": 6}
